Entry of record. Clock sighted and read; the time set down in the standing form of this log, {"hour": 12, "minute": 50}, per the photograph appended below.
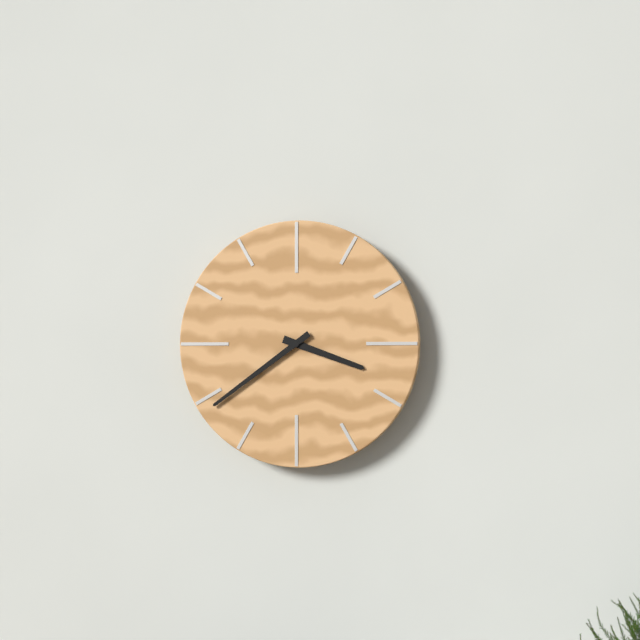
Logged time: {"hour": 3, "minute": 39}
